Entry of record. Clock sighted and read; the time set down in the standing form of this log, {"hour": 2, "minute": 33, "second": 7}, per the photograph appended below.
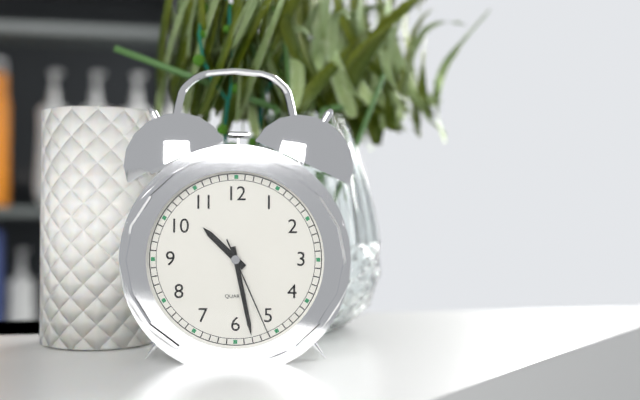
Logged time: {"hour": 10, "minute": 28, "second": 26}
